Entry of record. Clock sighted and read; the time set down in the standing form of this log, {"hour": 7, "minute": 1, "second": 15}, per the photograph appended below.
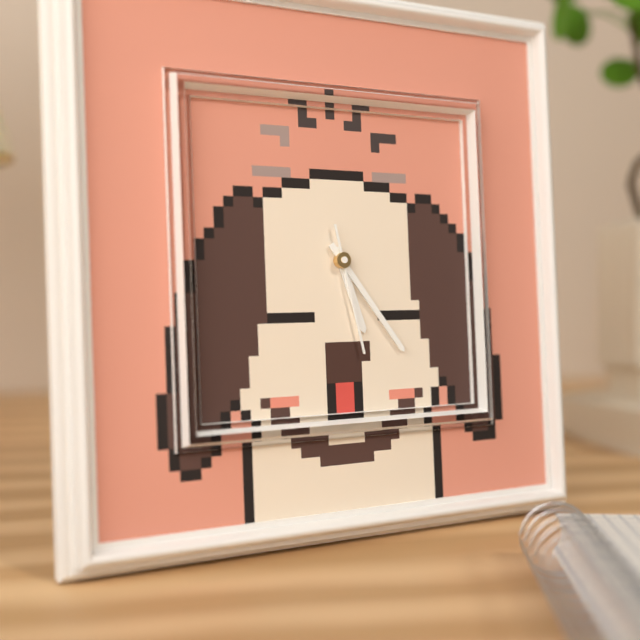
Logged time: {"hour": 5, "minute": 24, "second": 28}
